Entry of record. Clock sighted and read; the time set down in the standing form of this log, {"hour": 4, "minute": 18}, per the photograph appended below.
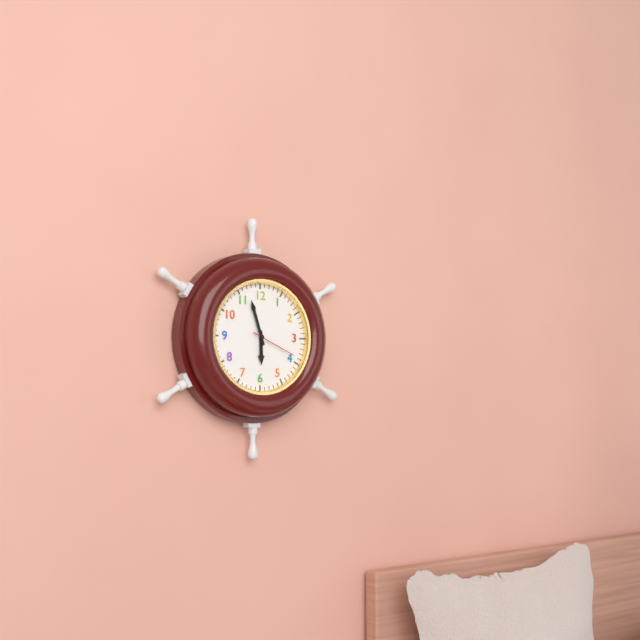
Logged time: {"hour": 5, "minute": 57}
